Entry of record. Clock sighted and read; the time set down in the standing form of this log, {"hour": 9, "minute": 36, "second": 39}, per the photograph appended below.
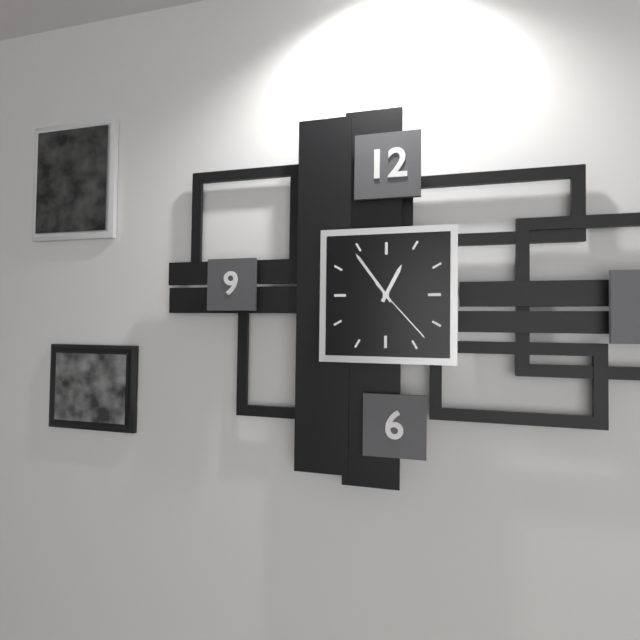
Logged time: {"hour": 12, "minute": 54, "second": 23}
